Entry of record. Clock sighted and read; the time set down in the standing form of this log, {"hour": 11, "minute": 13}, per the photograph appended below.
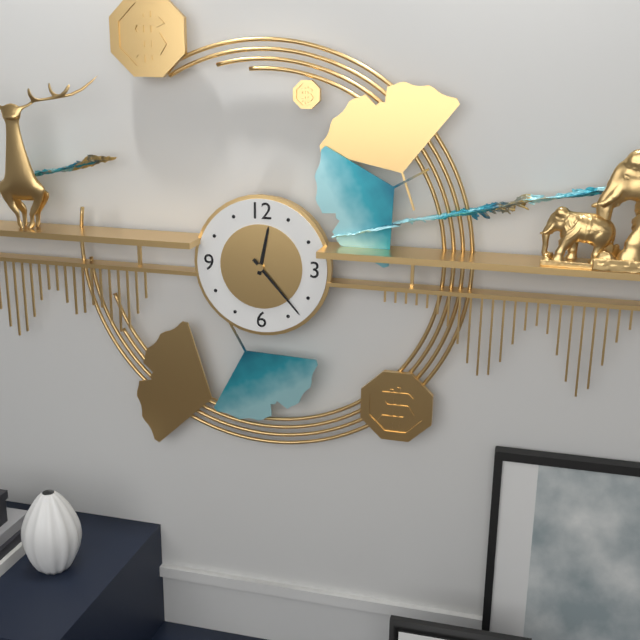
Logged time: {"hour": 12, "minute": 23}
